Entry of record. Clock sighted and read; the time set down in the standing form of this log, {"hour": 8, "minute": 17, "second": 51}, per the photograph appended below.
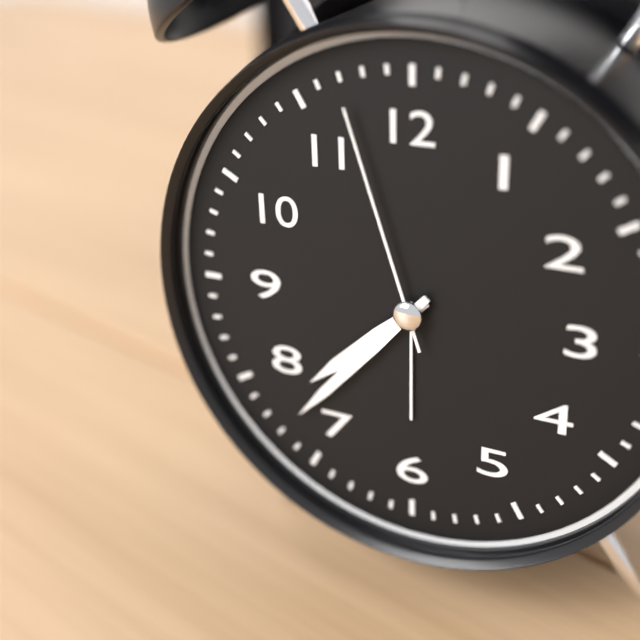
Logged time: {"hour": 7, "minute": 37, "second": 57}
